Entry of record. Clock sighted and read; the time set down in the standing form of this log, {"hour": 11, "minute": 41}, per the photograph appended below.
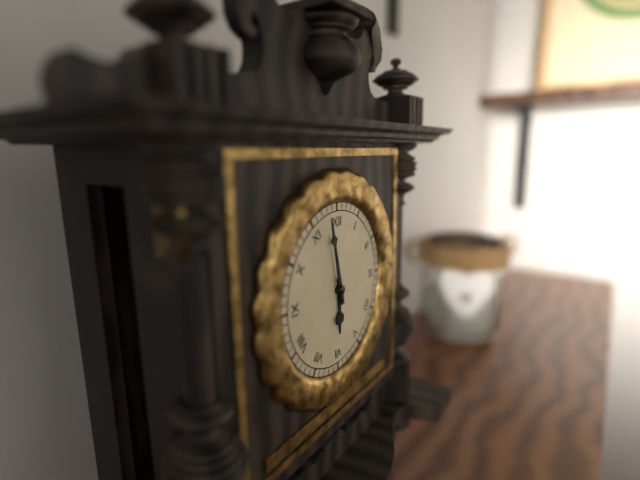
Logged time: {"hour": 5, "minute": 58}
